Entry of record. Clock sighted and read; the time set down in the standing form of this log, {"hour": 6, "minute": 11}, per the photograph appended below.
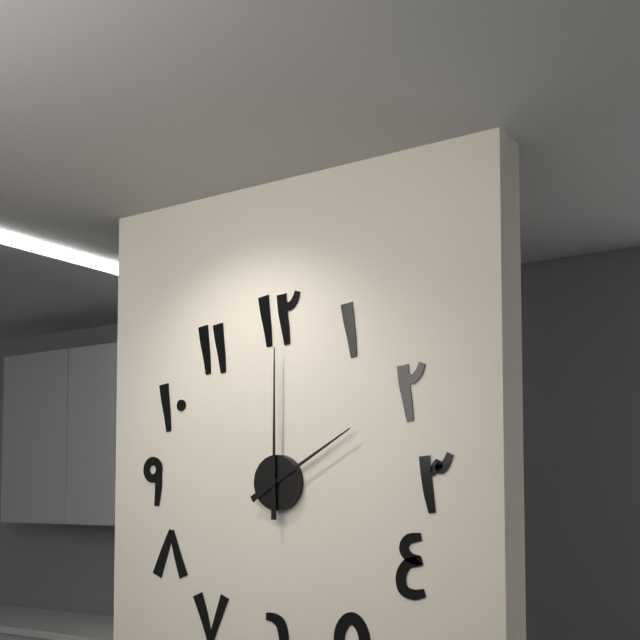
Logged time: {"hour": 2, "minute": 0}
